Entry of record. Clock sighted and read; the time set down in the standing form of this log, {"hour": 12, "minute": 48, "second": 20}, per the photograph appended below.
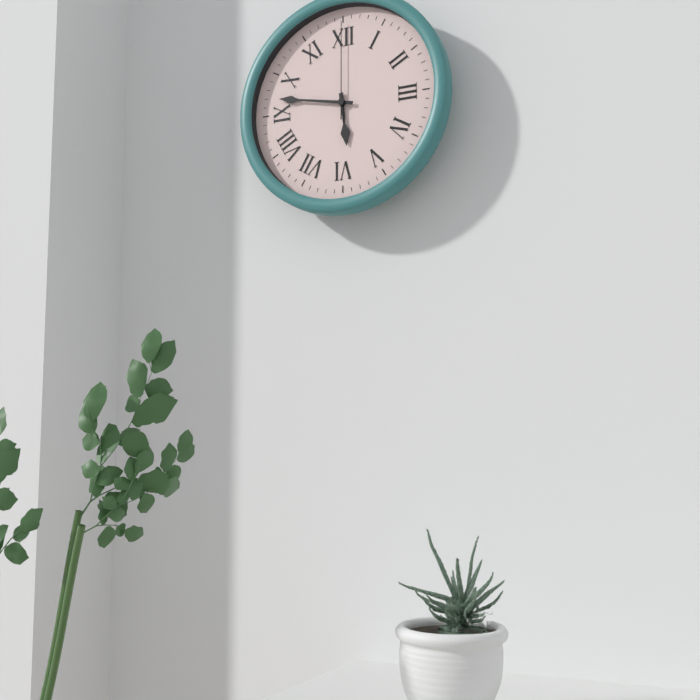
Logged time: {"hour": 5, "minute": 47, "second": 0}
